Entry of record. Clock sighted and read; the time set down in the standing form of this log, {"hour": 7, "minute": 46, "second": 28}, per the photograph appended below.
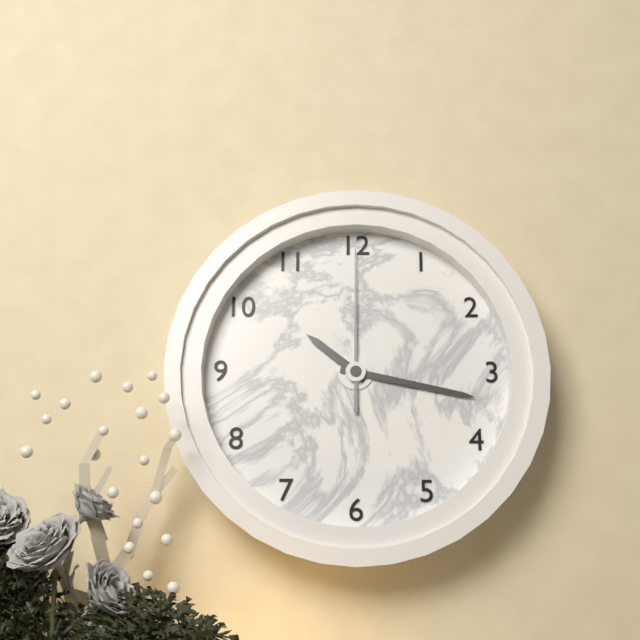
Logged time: {"hour": 10, "minute": 17, "second": 0}
